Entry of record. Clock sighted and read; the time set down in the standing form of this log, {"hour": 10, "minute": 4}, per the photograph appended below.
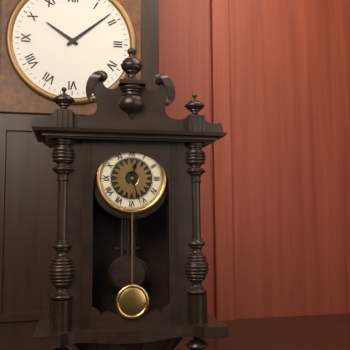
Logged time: {"hour": 12, "minute": 27}
